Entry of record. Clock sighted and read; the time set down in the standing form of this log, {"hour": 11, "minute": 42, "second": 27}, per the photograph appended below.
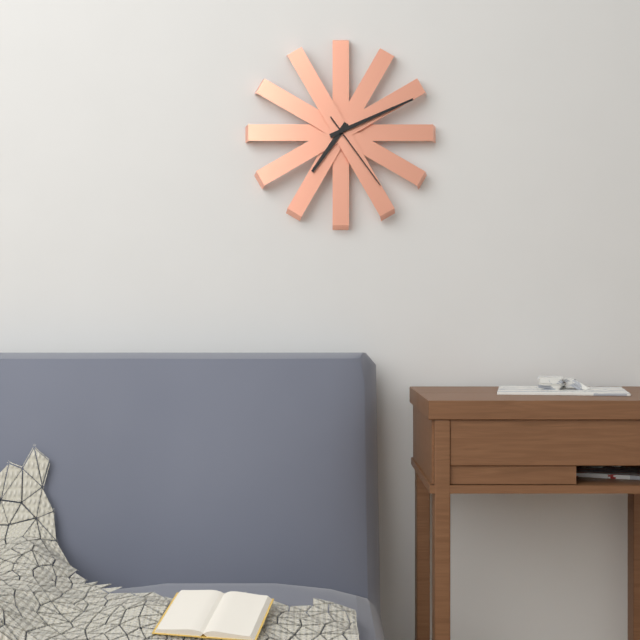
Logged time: {"hour": 7, "minute": 11, "second": 24}
